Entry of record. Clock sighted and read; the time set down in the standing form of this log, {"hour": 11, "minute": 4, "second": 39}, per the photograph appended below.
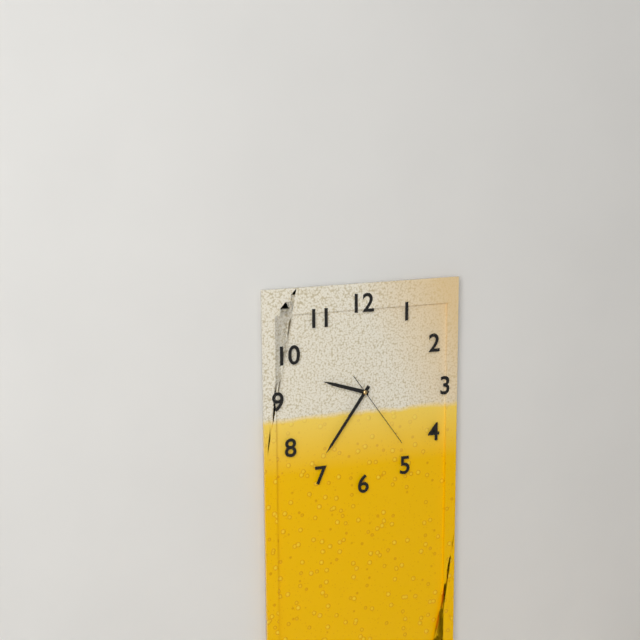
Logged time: {"hour": 9, "minute": 36, "second": 24}
